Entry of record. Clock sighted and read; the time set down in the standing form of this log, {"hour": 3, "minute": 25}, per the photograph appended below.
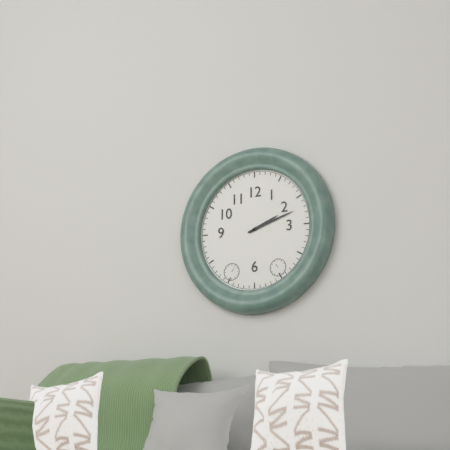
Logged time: {"hour": 2, "minute": 12}
